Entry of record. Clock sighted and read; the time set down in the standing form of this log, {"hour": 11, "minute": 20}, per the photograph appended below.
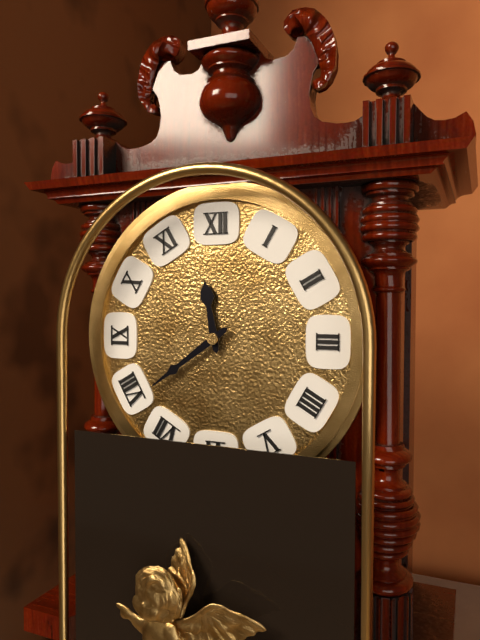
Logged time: {"hour": 11, "minute": 39}
